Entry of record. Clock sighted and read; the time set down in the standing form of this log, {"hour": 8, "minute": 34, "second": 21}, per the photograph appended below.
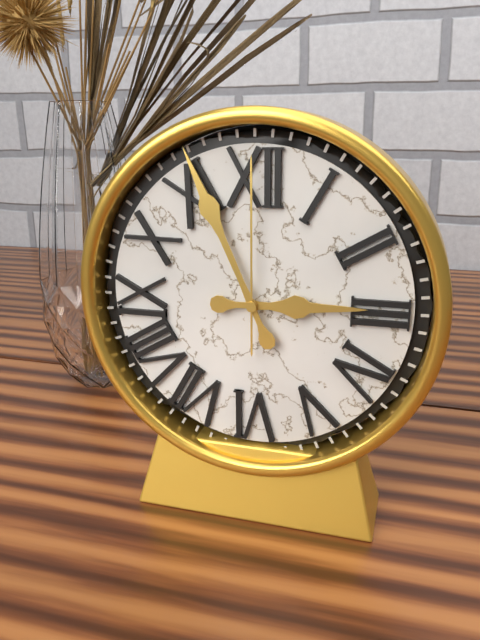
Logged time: {"hour": 2, "minute": 56, "second": 0}
